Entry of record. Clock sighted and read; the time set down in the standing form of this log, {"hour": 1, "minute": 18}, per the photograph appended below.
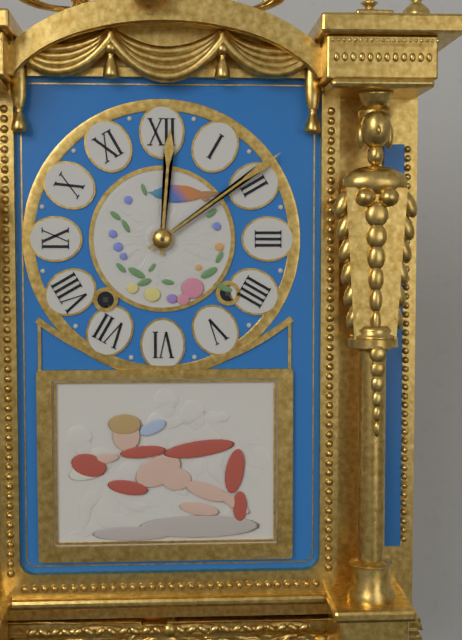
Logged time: {"hour": 12, "minute": 9}
